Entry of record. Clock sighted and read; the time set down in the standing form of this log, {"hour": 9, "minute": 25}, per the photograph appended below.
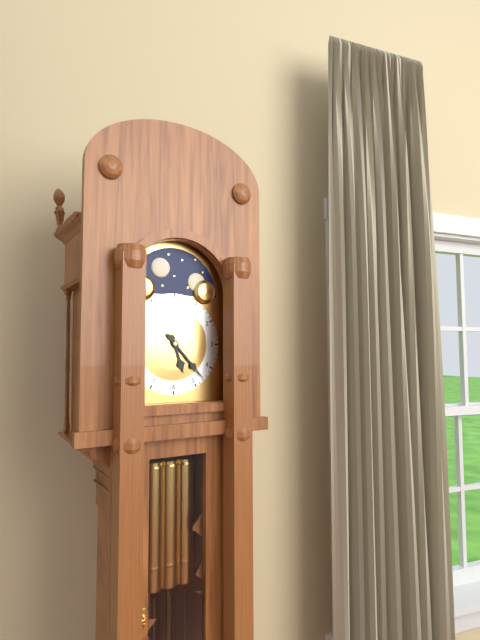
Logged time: {"hour": 5, "minute": 23}
